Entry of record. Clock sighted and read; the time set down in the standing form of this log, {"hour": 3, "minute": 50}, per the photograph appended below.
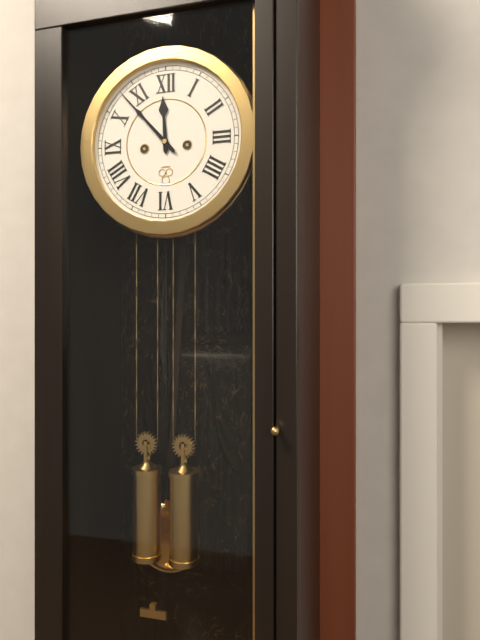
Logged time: {"hour": 11, "minute": 53}
